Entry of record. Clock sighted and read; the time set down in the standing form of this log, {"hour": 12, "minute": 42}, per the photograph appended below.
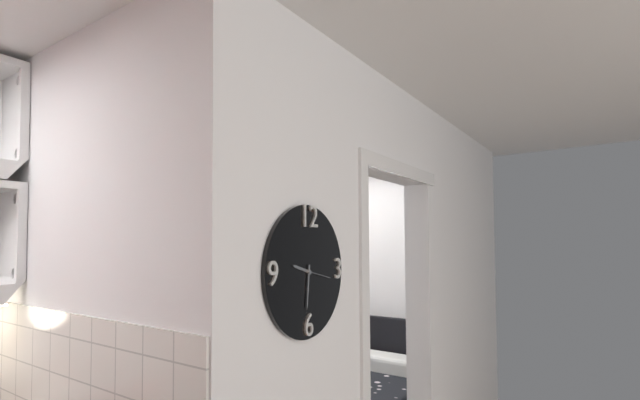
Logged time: {"hour": 9, "minute": 31}
